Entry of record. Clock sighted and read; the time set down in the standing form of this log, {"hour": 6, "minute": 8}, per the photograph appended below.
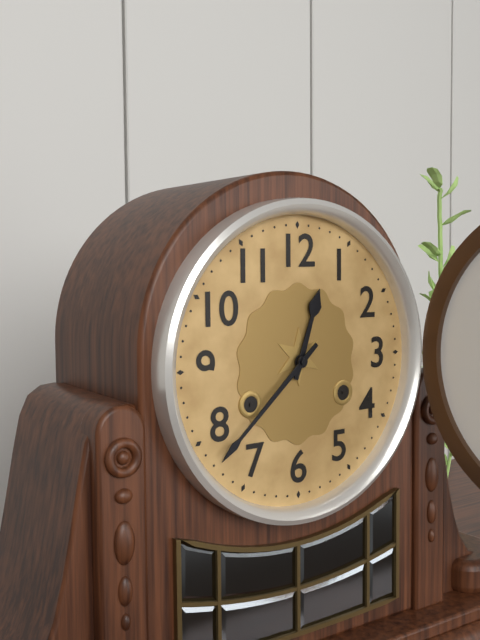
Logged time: {"hour": 12, "minute": 38}
